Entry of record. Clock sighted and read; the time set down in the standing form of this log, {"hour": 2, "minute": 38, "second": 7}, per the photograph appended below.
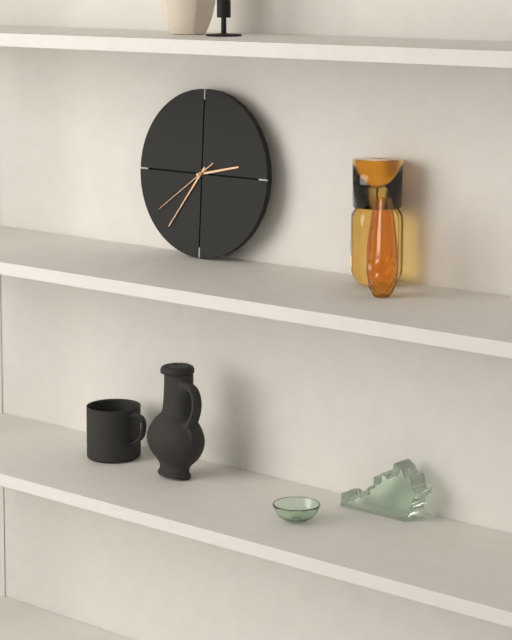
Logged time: {"hour": 2, "minute": 36, "second": 39}
